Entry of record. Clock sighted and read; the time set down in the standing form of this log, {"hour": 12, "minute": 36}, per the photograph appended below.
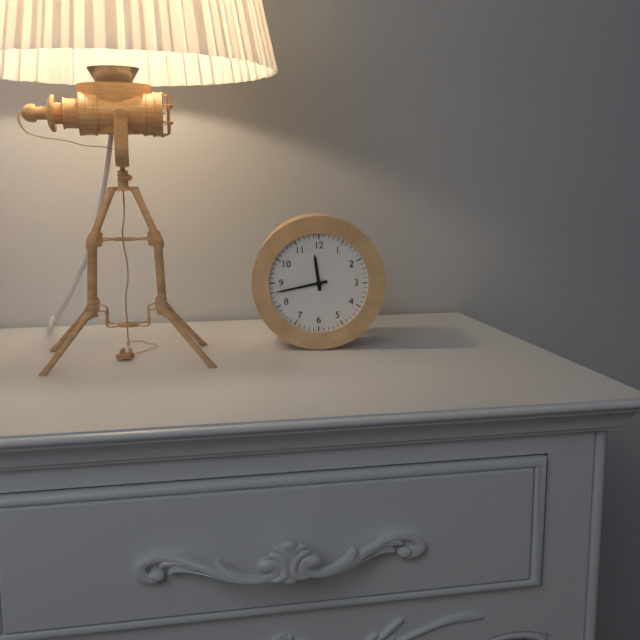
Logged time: {"hour": 11, "minute": 43}
